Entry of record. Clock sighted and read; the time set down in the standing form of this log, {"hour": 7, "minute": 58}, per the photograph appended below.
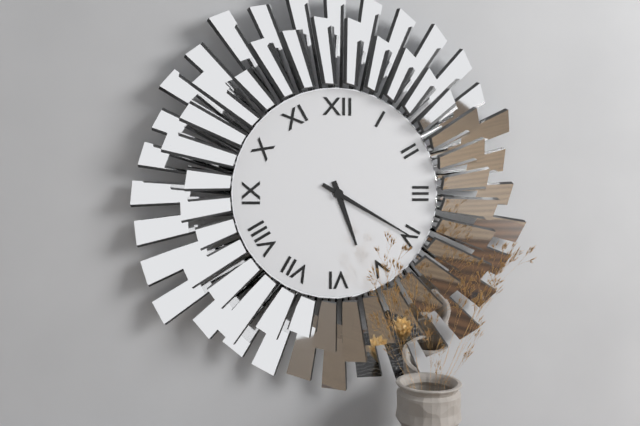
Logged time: {"hour": 5, "minute": 20}
